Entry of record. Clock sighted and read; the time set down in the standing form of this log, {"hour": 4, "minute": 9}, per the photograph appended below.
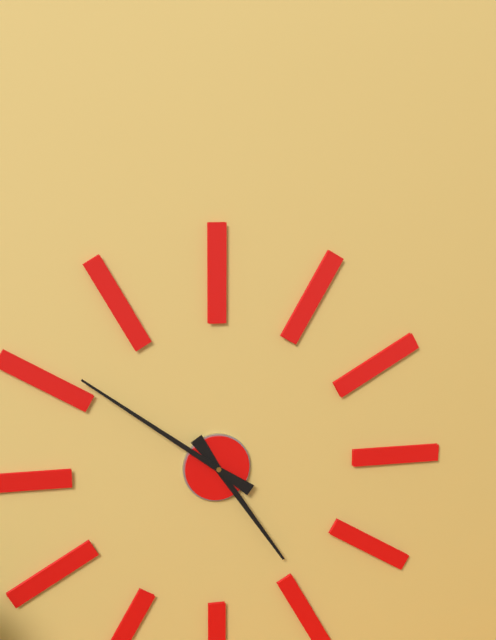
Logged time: {"hour": 4, "minute": 51}
